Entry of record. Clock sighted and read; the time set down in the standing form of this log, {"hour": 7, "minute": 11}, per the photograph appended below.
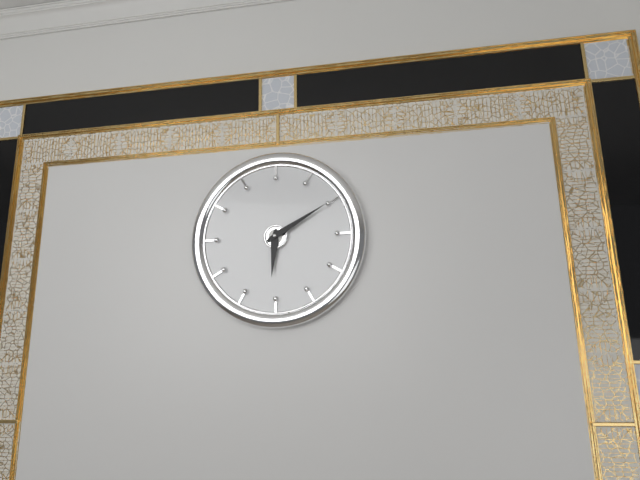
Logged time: {"hour": 6, "minute": 10}
